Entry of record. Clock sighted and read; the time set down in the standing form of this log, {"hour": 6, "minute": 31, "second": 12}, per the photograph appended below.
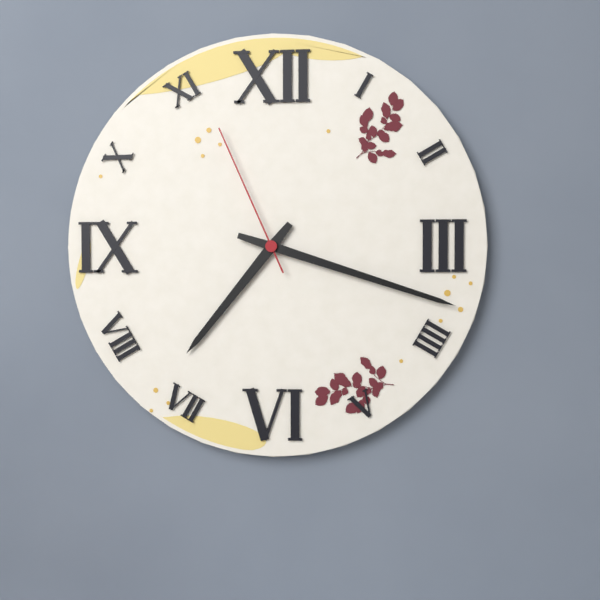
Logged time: {"hour": 7, "minute": 18, "second": 56}
